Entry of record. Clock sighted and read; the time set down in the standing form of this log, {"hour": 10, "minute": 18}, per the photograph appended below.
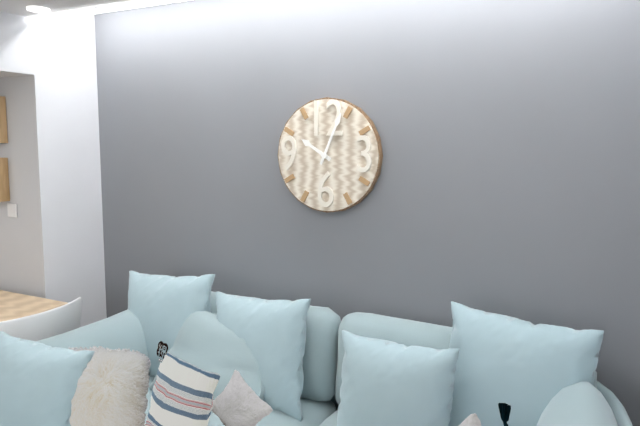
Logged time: {"hour": 10, "minute": 4}
